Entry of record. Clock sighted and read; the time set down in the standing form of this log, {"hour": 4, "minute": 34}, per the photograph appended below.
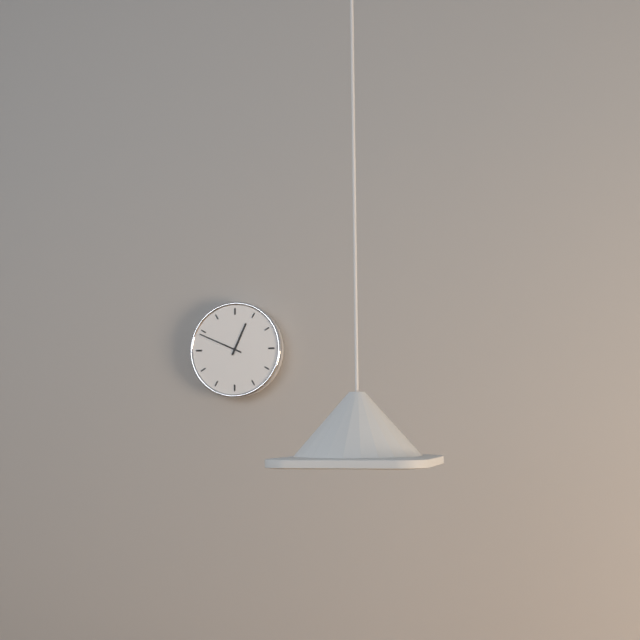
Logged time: {"hour": 12, "minute": 49}
